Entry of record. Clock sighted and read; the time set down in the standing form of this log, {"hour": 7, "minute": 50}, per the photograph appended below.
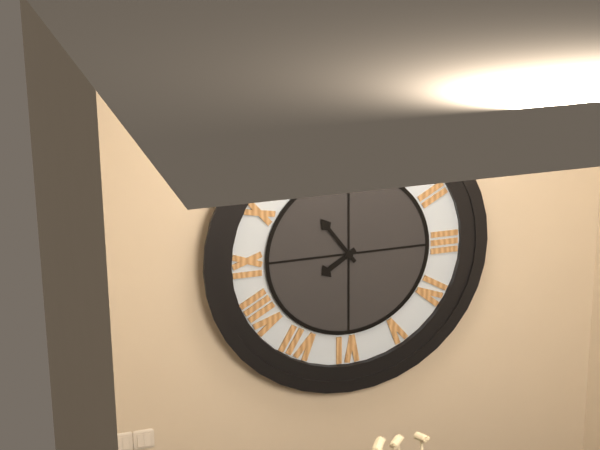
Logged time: {"hour": 7, "minute": 54}
